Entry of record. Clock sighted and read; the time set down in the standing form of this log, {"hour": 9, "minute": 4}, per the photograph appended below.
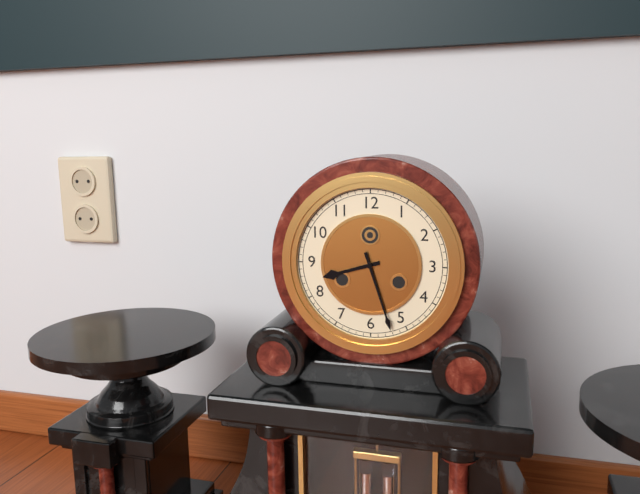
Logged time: {"hour": 8, "minute": 27}
